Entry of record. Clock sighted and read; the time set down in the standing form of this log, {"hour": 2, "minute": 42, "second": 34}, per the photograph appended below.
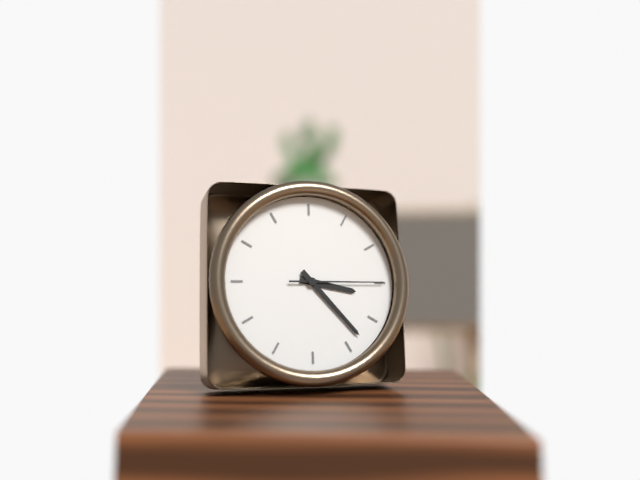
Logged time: {"hour": 3, "minute": 23, "second": 15}
